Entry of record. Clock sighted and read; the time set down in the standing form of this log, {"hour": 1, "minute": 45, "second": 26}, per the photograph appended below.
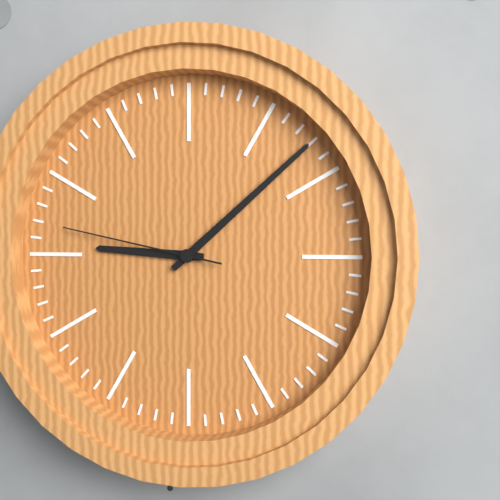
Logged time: {"hour": 9, "minute": 8, "second": 47}
